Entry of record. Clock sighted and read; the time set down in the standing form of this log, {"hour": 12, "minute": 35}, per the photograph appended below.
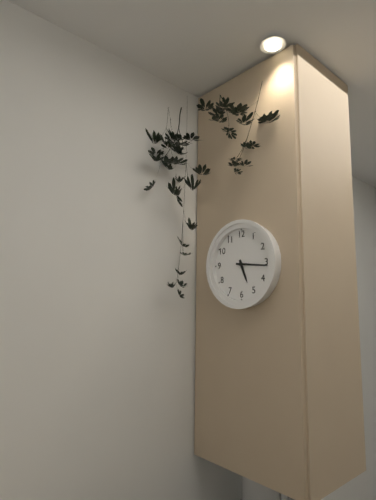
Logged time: {"hour": 5, "minute": 16}
